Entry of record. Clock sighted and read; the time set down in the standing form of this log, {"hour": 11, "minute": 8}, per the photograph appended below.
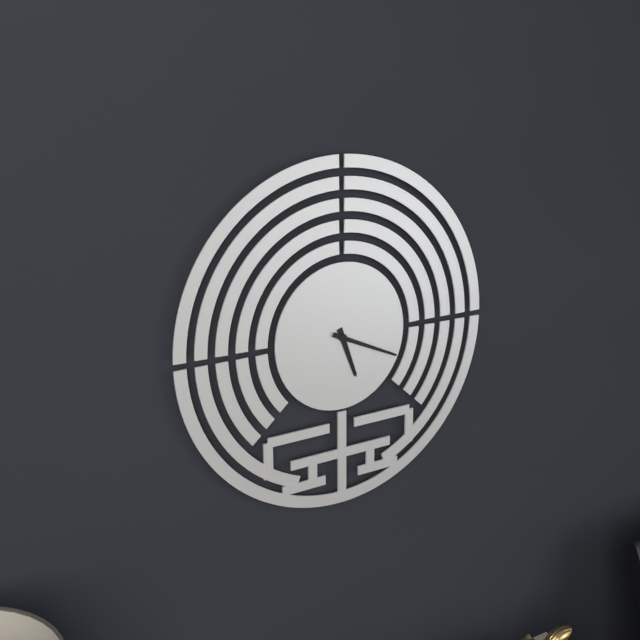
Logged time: {"hour": 5, "minute": 19}
